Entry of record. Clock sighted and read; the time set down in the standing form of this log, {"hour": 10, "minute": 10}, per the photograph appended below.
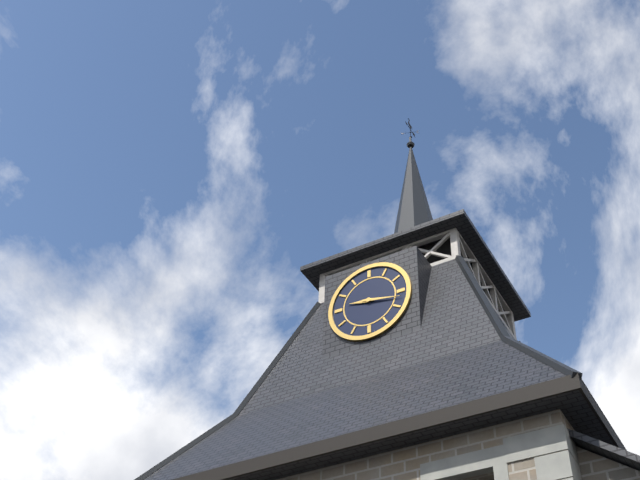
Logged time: {"hour": 9, "minute": 17}
